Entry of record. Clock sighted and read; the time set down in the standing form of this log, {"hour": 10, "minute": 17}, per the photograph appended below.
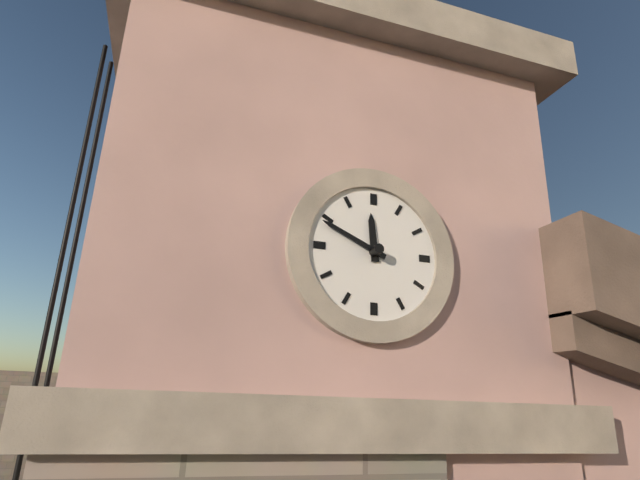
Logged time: {"hour": 11, "minute": 49}
